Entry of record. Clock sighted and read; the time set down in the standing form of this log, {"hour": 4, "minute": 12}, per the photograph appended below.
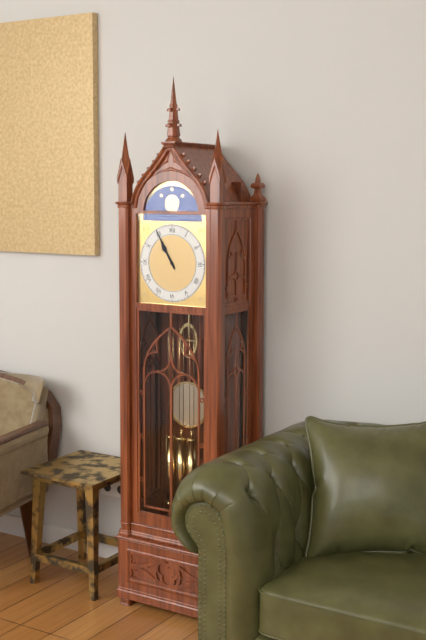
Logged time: {"hour": 10, "minute": 55}
